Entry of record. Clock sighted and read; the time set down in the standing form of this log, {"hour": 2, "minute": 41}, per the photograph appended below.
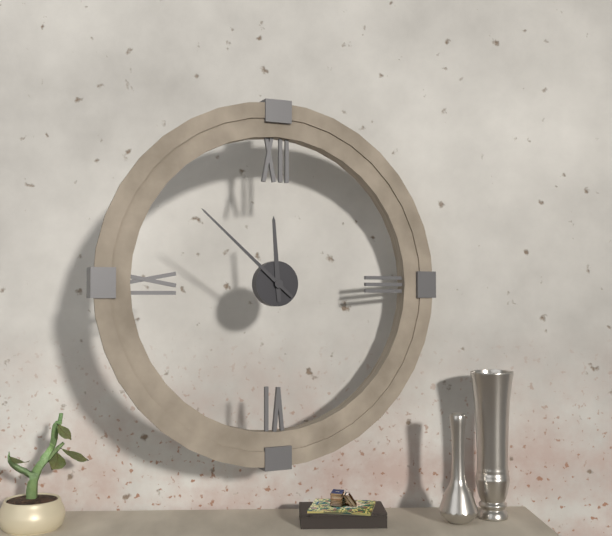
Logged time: {"hour": 11, "minute": 52}
